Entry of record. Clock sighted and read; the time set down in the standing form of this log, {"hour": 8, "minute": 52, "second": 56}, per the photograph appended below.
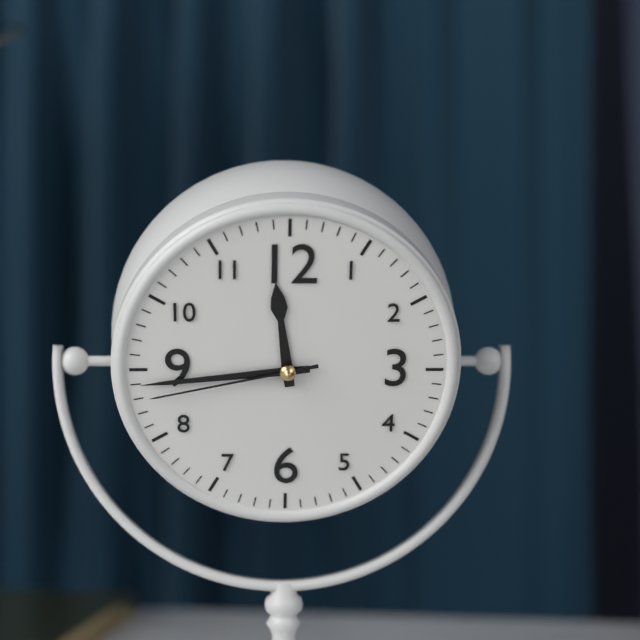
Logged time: {"hour": 11, "minute": 44, "second": 43}
